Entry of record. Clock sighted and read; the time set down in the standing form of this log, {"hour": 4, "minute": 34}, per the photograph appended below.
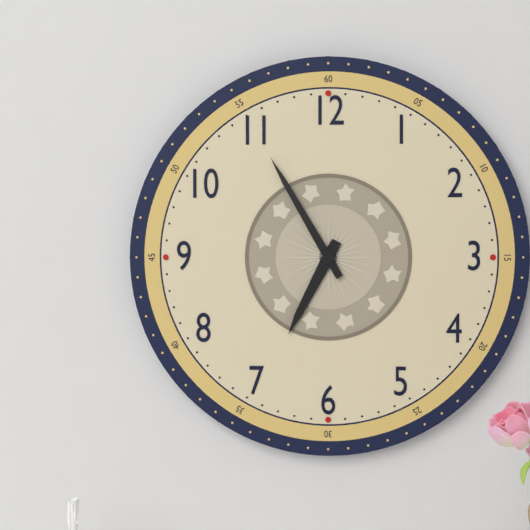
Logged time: {"hour": 6, "minute": 55}
